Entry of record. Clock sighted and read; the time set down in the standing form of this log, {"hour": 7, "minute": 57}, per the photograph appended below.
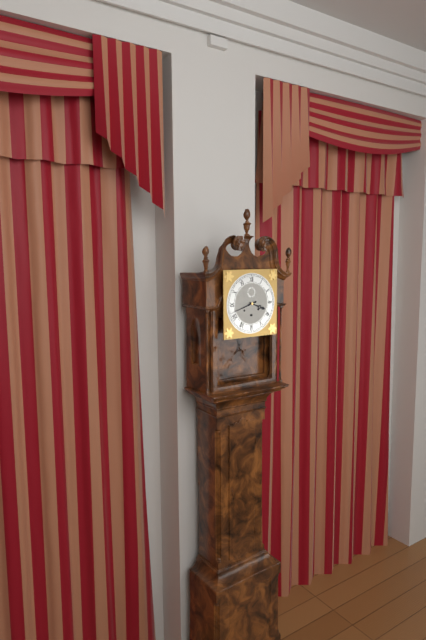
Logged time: {"hour": 3, "minute": 42}
